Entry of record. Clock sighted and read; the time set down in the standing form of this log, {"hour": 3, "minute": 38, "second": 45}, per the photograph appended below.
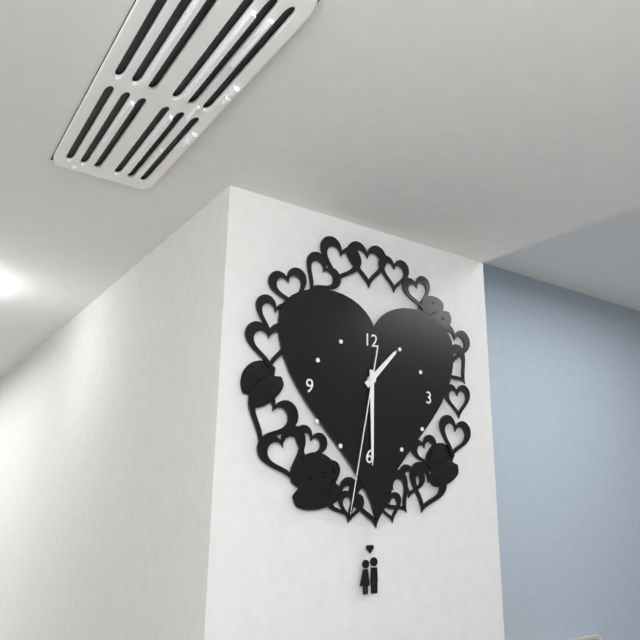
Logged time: {"hour": 1, "minute": 30, "second": 32}
